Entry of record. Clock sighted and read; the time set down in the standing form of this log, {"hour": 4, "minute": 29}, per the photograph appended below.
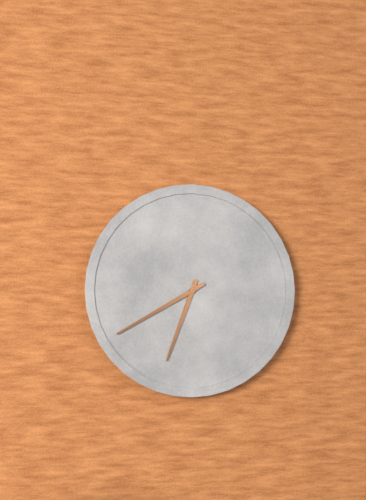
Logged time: {"hour": 6, "minute": 40}
